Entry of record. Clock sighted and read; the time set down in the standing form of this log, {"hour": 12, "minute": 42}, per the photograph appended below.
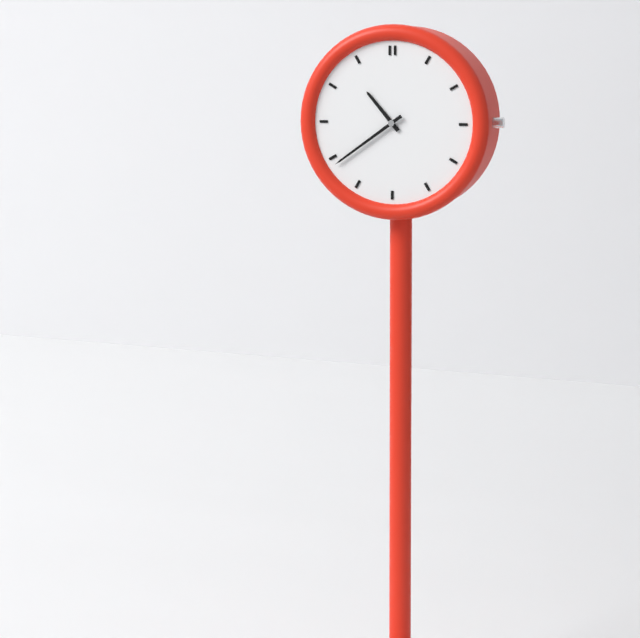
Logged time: {"hour": 10, "minute": 39}
